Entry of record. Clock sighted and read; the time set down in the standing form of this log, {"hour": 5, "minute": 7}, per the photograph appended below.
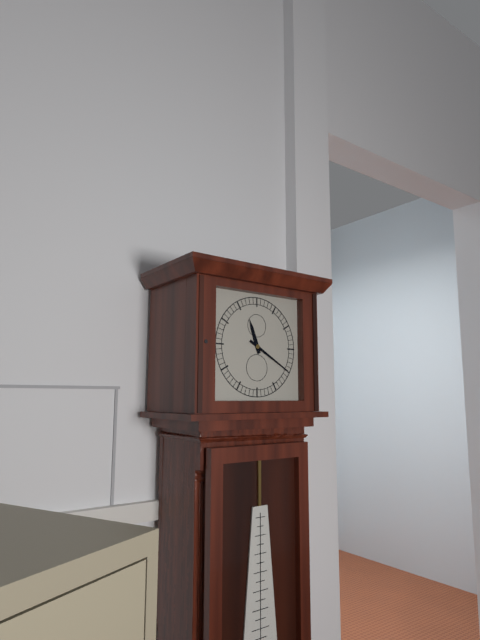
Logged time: {"hour": 11, "minute": 20}
